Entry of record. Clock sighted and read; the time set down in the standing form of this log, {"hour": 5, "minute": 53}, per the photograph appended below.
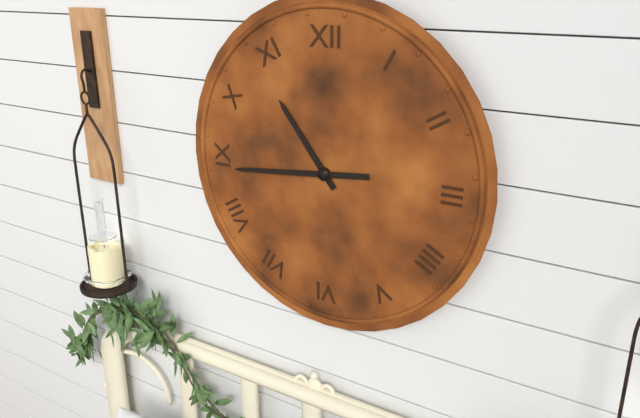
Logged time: {"hour": 10, "minute": 44}
